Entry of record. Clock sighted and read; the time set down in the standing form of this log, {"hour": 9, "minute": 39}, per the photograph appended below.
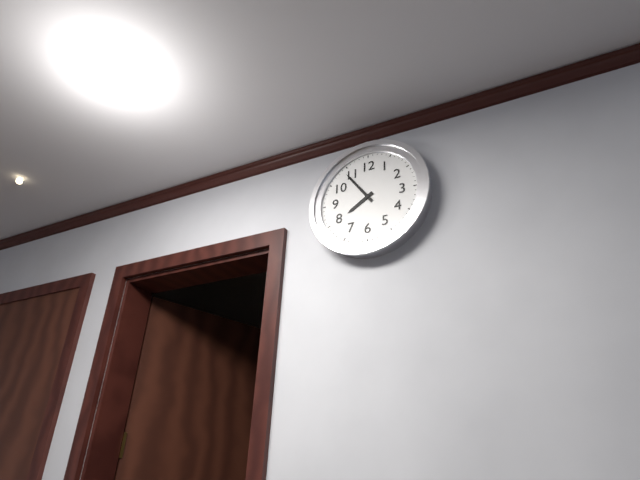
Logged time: {"hour": 7, "minute": 54}
